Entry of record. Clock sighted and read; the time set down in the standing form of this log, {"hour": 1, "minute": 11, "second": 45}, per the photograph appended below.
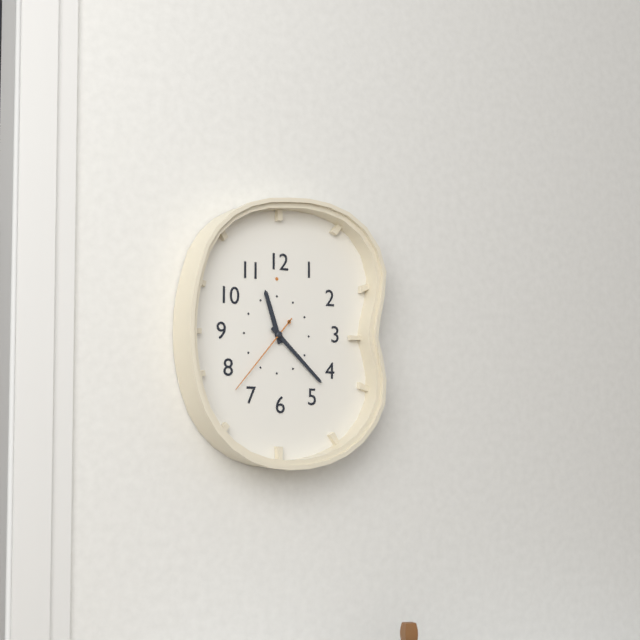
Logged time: {"hour": 11, "minute": 22, "second": 37}
